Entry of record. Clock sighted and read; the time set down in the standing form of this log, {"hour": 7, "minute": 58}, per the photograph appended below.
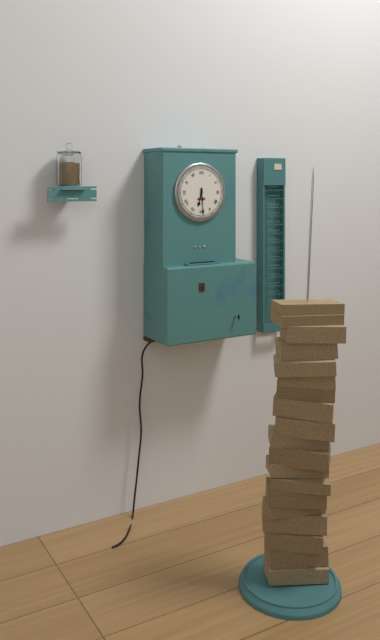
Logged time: {"hour": 6, "minute": 29}
